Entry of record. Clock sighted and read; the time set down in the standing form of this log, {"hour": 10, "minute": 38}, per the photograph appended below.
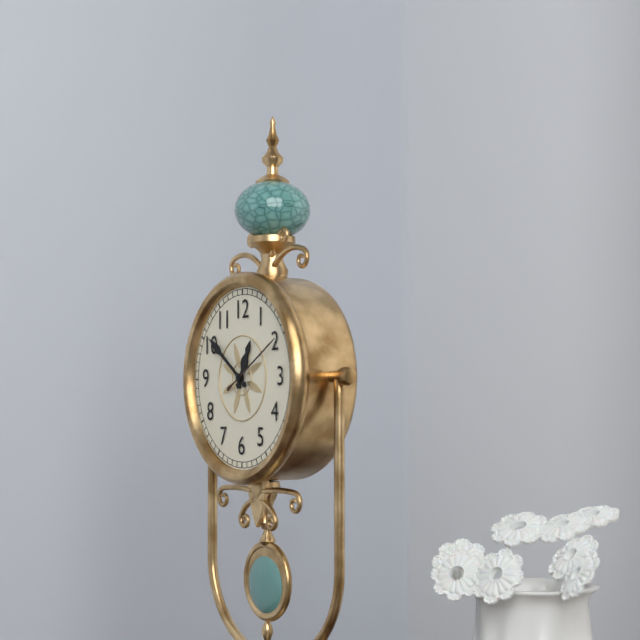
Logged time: {"hour": 12, "minute": 51}
